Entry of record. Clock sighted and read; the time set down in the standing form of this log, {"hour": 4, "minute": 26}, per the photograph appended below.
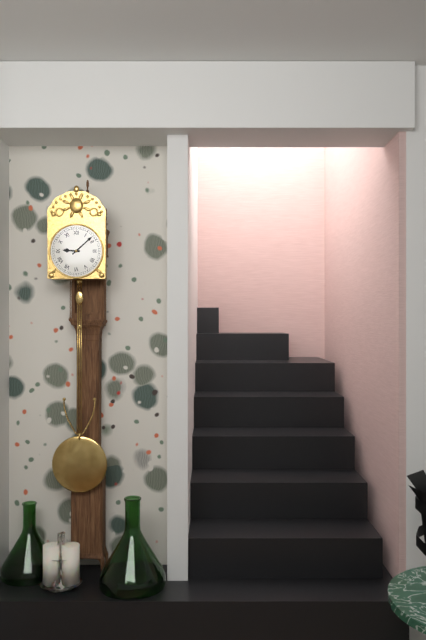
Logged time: {"hour": 9, "minute": 8}
